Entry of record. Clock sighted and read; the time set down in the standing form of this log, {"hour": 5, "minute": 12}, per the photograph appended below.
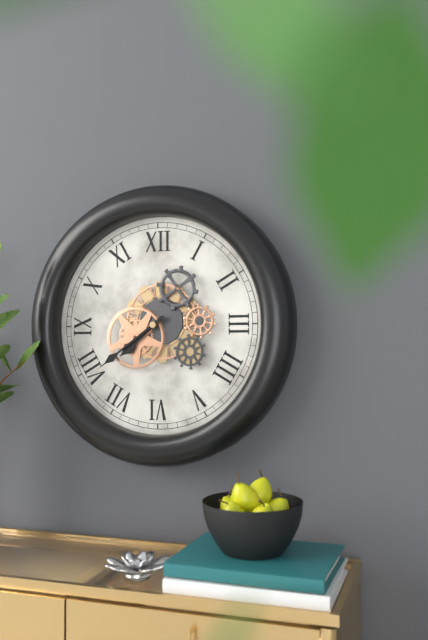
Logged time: {"hour": 7, "minute": 39}
